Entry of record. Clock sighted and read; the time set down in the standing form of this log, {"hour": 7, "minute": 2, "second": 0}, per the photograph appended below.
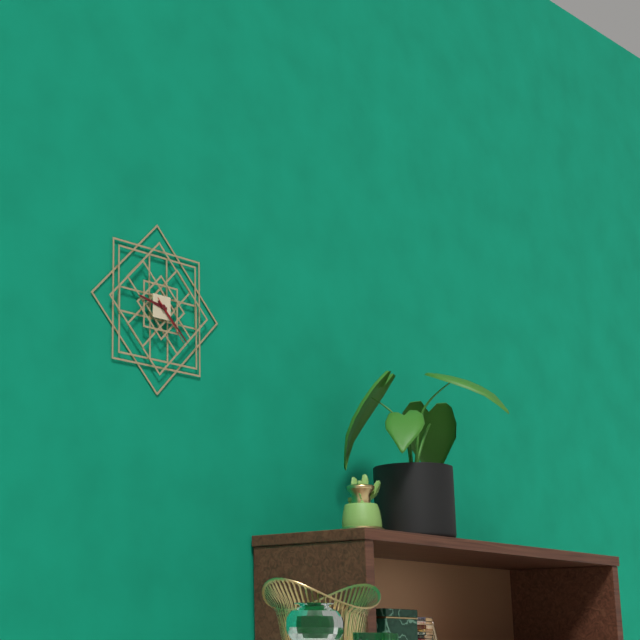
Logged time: {"hour": 9, "minute": 22, "second": 23}
